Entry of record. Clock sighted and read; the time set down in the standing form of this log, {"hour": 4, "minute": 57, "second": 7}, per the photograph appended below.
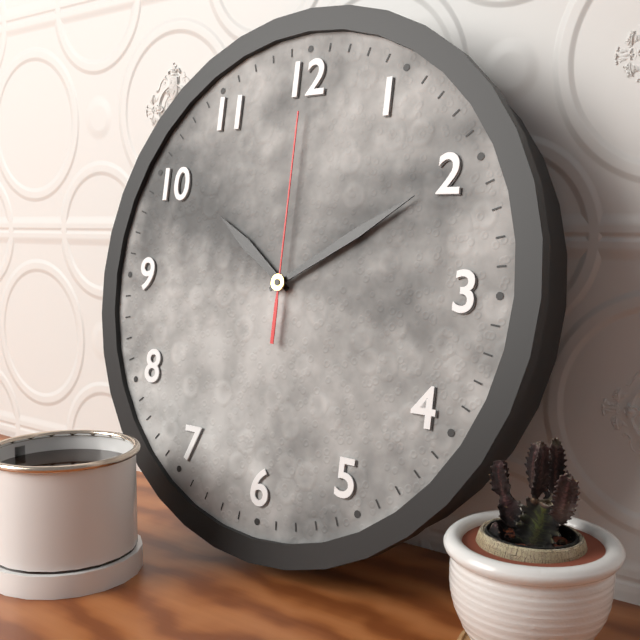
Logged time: {"hour": 10, "minute": 10, "second": 0}
